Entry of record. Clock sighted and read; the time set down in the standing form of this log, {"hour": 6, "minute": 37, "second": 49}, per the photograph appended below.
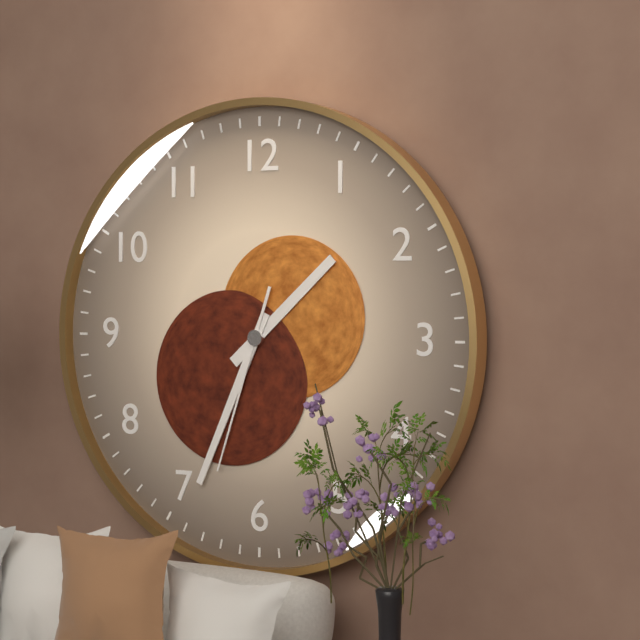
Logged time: {"hour": 1, "minute": 34, "second": 33}
